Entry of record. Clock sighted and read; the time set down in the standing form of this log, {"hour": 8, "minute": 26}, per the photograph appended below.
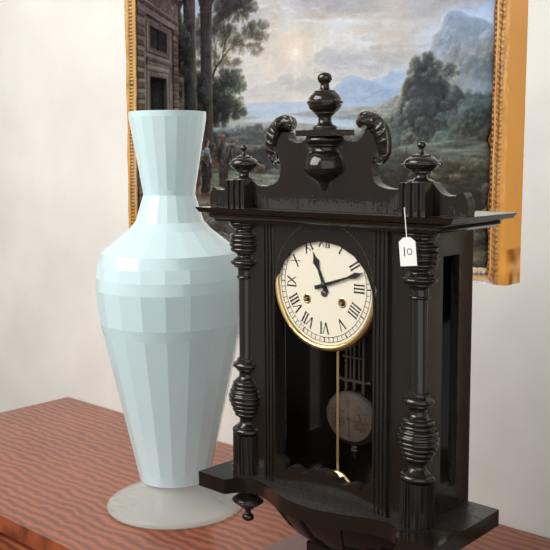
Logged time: {"hour": 11, "minute": 12}
